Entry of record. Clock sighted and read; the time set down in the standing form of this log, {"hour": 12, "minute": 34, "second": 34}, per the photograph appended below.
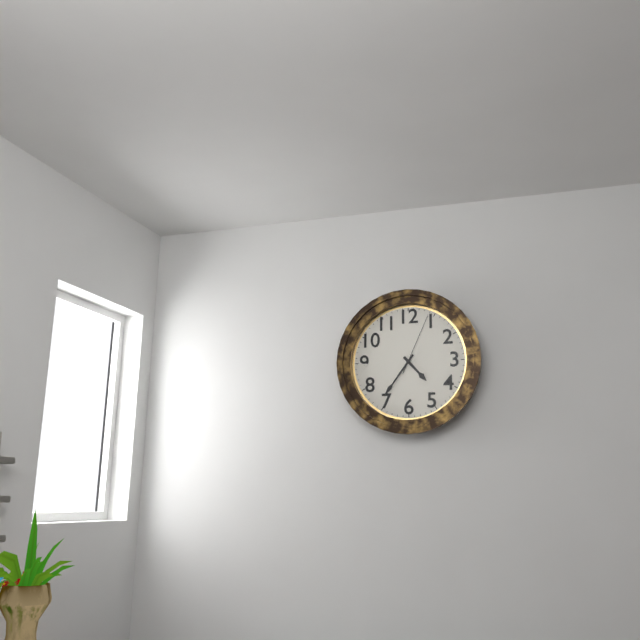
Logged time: {"hour": 4, "minute": 36, "second": 4}
